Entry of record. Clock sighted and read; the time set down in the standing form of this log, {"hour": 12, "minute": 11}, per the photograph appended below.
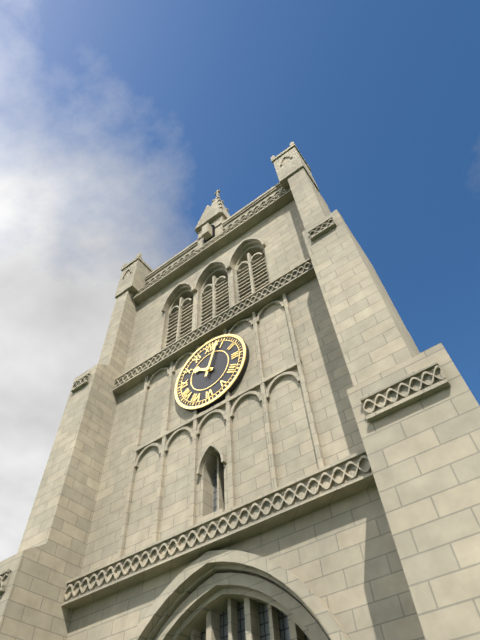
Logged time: {"hour": 10, "minute": 3}
